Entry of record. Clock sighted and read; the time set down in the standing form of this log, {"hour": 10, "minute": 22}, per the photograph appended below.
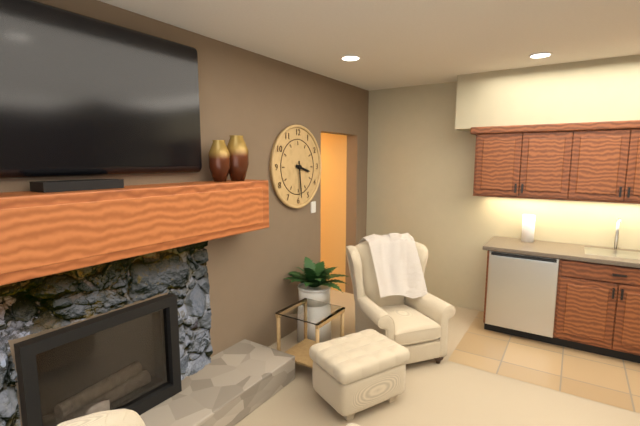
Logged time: {"hour": 3, "minute": 29}
